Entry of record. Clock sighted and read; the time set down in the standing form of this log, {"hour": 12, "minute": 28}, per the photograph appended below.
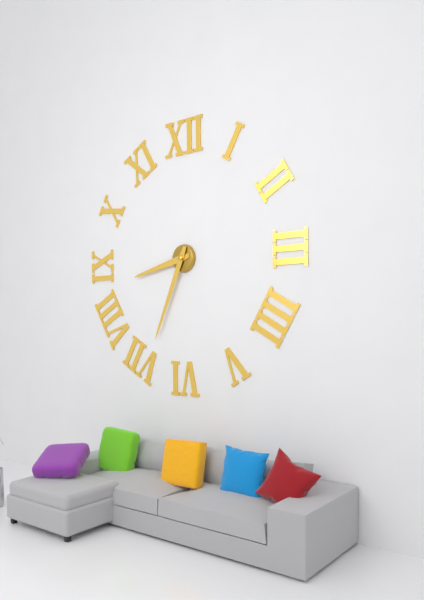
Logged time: {"hour": 8, "minute": 34}
